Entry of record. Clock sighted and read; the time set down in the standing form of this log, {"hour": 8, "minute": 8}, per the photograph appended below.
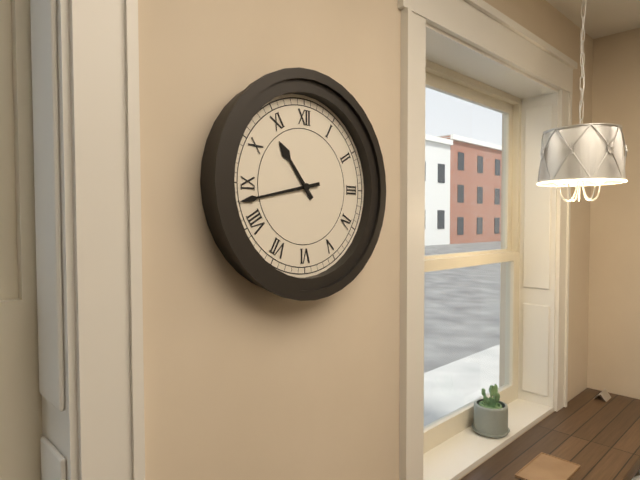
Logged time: {"hour": 10, "minute": 43}
